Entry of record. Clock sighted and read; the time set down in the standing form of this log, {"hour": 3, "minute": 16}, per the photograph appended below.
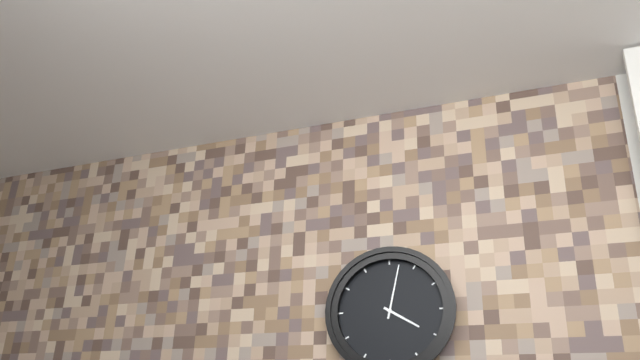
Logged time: {"hour": 4, "minute": 2}
